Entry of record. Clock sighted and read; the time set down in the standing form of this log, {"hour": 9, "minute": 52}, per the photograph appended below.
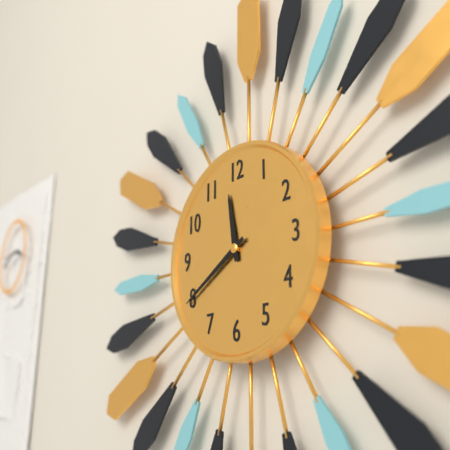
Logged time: {"hour": 11, "minute": 40}
